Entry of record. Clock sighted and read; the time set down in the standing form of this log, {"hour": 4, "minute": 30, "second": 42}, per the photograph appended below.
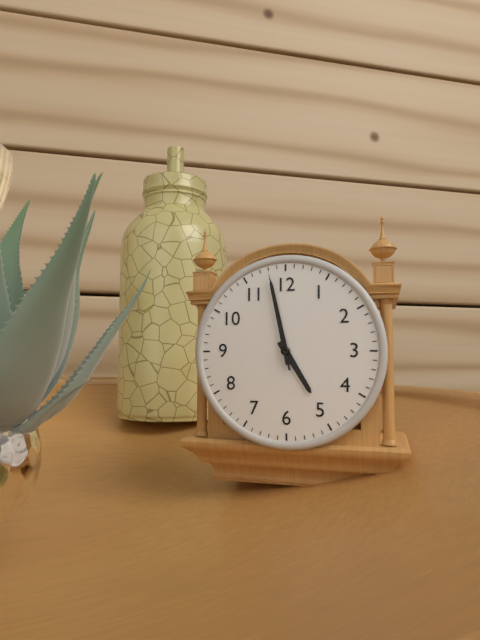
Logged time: {"hour": 4, "minute": 58, "second": 58}
